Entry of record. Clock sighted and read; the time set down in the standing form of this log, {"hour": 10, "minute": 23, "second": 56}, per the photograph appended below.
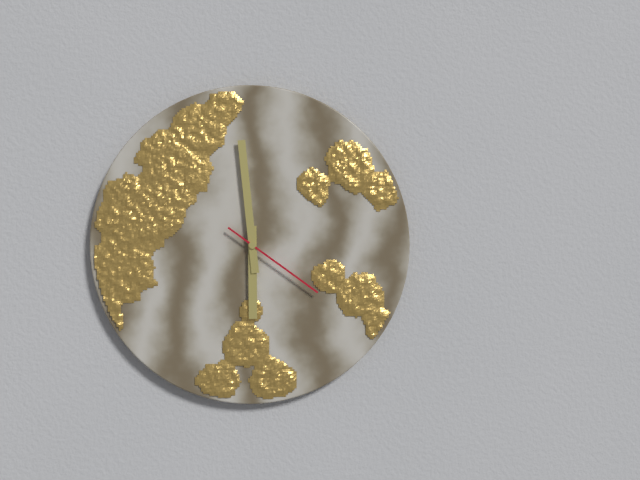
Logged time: {"hour": 5, "minute": 59, "second": 21}
